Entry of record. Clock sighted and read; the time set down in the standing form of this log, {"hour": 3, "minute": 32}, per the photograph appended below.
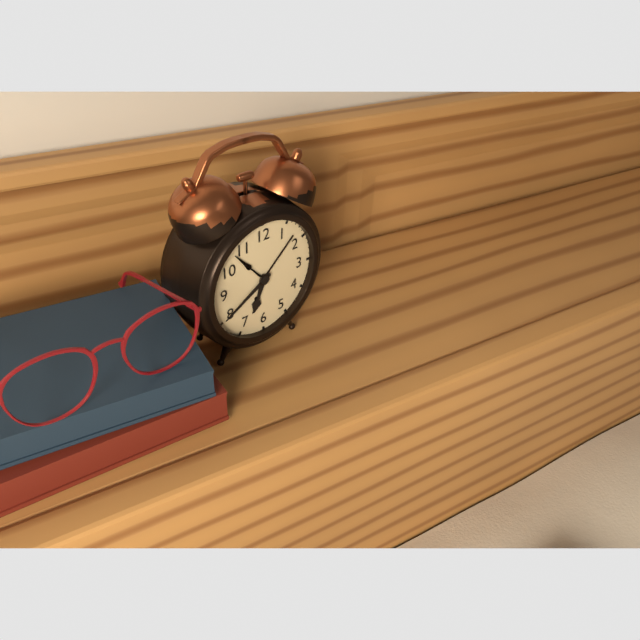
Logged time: {"hour": 6, "minute": 40}
